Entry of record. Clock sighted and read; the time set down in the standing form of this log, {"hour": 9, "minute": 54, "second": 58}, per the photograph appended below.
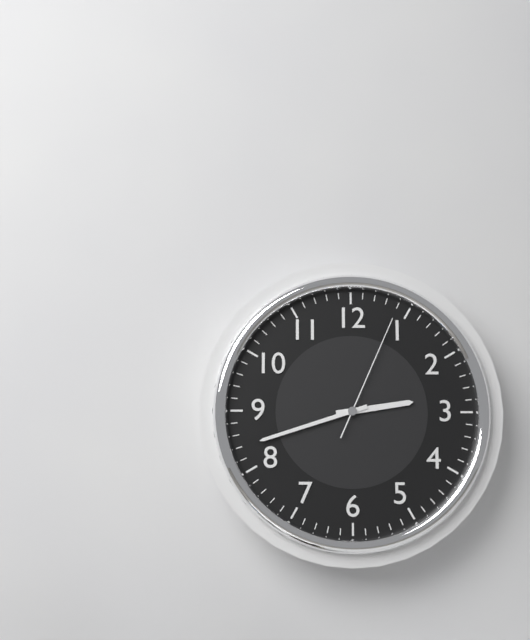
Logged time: {"hour": 2, "minute": 42, "second": 4}
